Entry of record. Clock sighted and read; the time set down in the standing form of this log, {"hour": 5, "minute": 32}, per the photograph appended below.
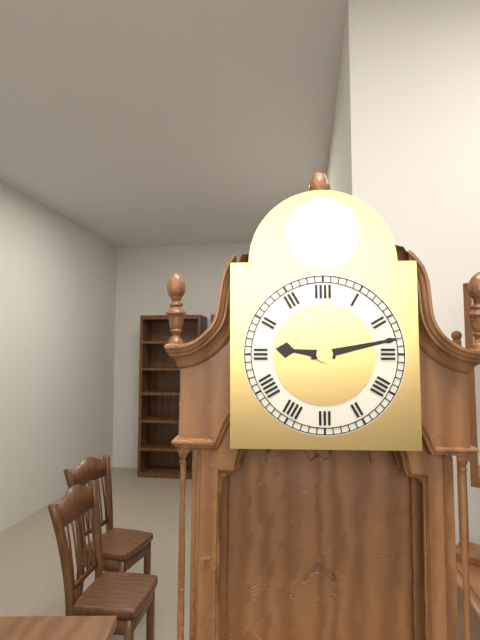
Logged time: {"hour": 9, "minute": 13}
